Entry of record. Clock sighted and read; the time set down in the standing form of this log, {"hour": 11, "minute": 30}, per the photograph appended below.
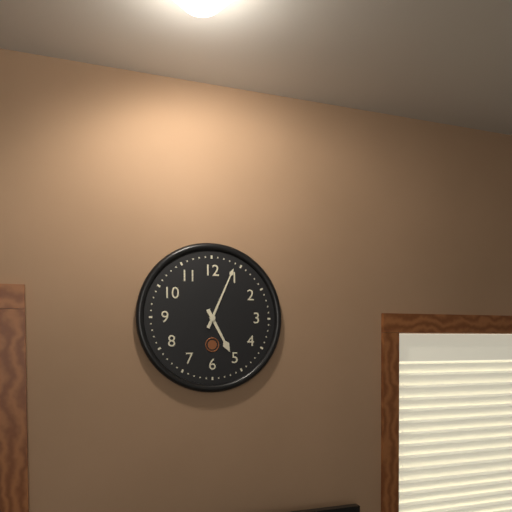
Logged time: {"hour": 5, "minute": 4}
